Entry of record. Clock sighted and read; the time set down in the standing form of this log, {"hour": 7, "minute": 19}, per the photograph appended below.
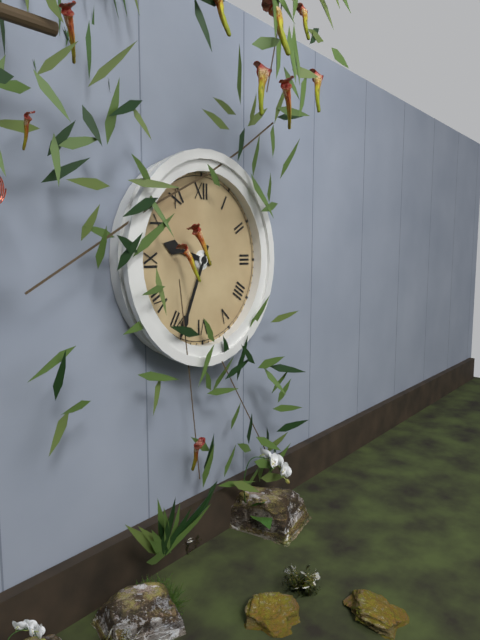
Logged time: {"hour": 9, "minute": 34}
